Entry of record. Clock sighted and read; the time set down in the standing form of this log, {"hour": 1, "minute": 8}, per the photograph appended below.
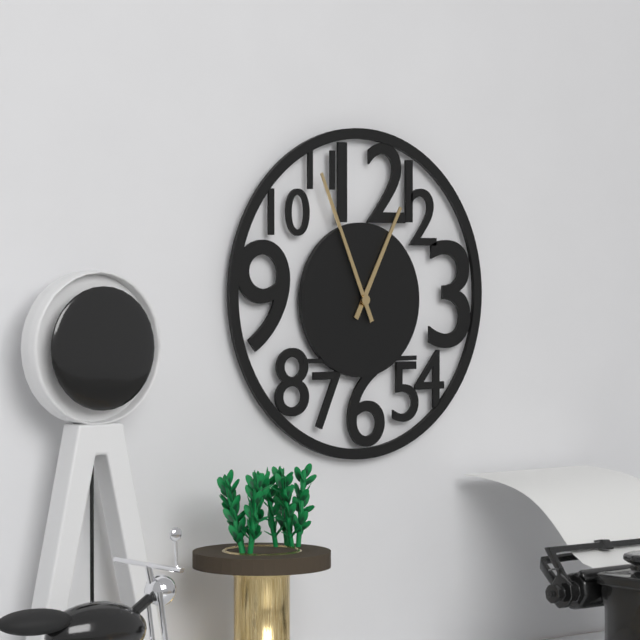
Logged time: {"hour": 12, "minute": 56}
